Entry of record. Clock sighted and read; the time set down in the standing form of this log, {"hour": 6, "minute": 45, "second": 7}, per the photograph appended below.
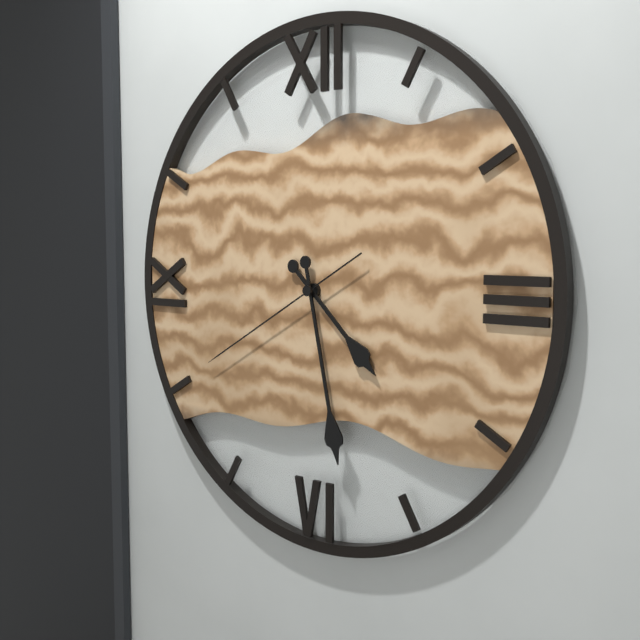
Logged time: {"hour": 4, "minute": 28, "second": 40}
